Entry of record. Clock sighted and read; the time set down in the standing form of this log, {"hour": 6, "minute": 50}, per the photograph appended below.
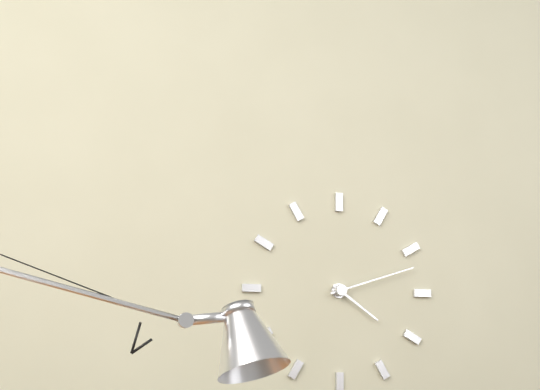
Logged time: {"hour": 4, "minute": 12}
